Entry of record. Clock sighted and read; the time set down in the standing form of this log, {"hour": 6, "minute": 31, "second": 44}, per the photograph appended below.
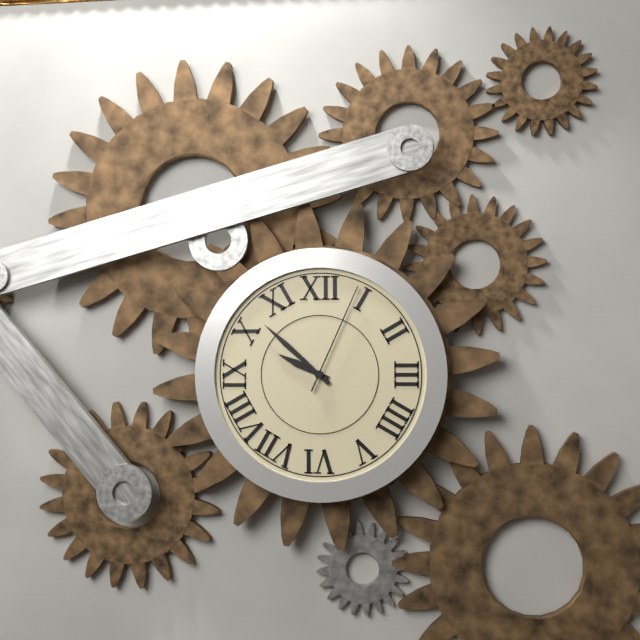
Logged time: {"hour": 9, "minute": 52, "second": 4}
